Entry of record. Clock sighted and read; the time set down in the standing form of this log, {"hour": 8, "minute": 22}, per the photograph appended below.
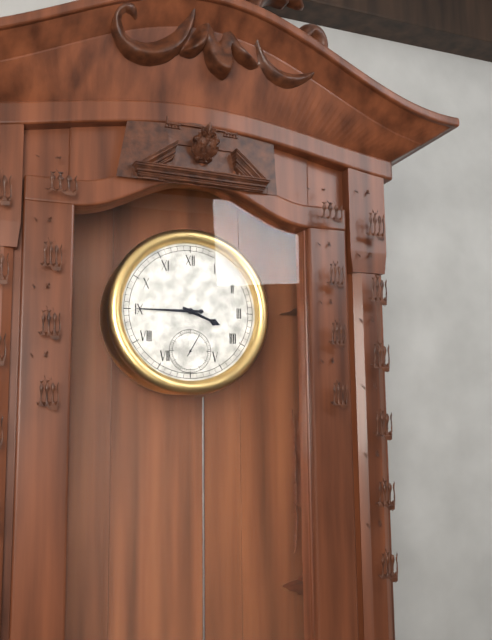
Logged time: {"hour": 3, "minute": 45}
